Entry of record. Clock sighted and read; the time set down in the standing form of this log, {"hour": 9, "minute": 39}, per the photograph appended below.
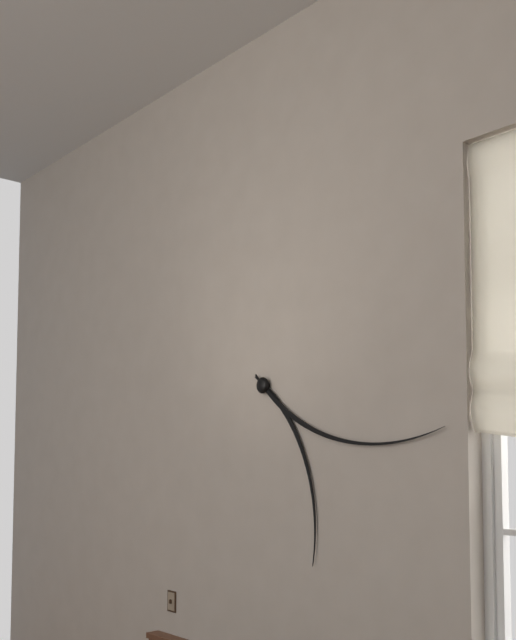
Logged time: {"hour": 5, "minute": 17}
